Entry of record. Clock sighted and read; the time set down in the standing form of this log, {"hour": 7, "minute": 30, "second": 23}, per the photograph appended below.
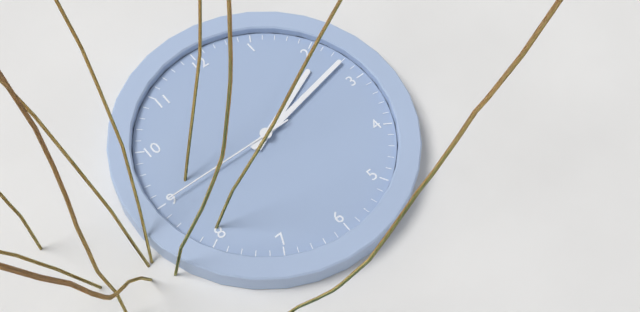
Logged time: {"hour": 2, "minute": 13, "second": 45}
